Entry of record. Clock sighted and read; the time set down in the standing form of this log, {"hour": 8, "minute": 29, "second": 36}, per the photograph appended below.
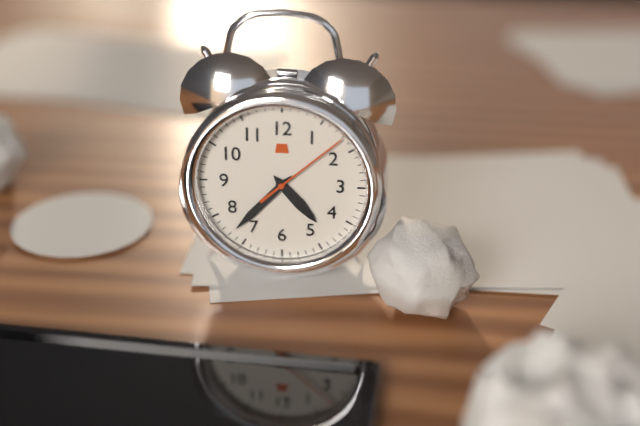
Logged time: {"hour": 4, "minute": 37, "second": 8}
